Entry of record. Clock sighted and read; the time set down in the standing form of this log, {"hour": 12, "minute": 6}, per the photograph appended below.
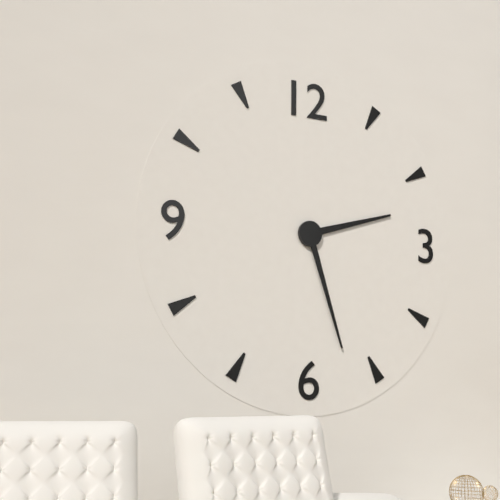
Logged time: {"hour": 2, "minute": 27}
